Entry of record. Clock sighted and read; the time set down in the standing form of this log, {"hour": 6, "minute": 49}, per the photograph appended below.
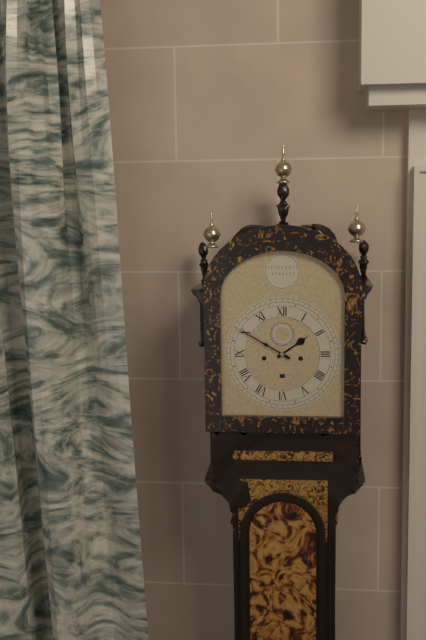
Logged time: {"hour": 1, "minute": 50}
